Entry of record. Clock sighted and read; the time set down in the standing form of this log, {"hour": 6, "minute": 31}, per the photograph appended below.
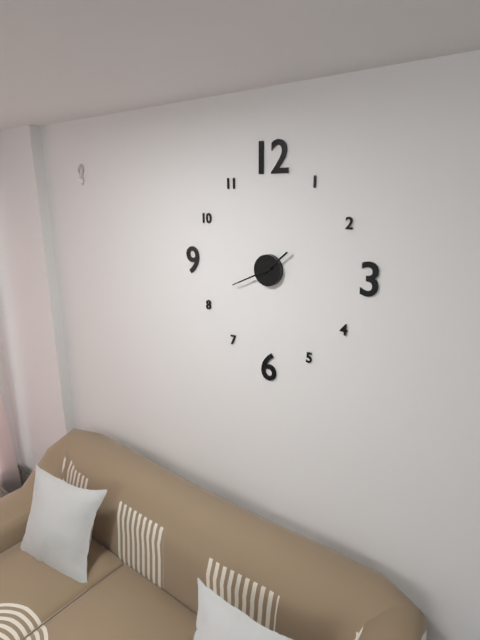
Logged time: {"hour": 1, "minute": 41}
